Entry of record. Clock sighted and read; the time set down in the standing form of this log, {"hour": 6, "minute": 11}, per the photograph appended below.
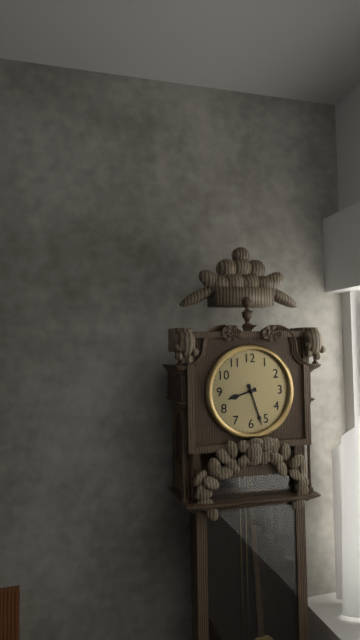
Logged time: {"hour": 8, "minute": 27}
